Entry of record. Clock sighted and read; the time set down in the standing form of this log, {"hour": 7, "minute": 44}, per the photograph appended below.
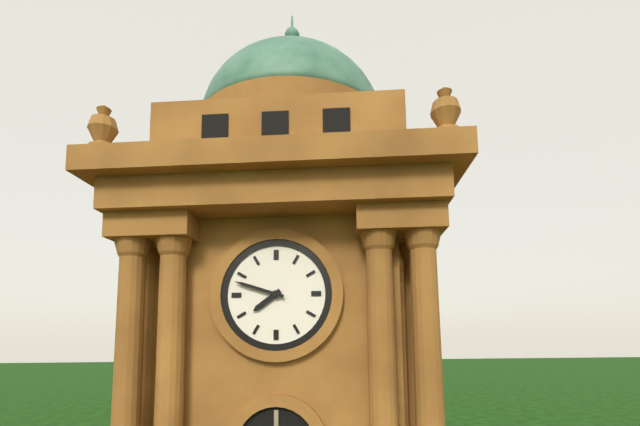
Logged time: {"hour": 7, "minute": 48}
